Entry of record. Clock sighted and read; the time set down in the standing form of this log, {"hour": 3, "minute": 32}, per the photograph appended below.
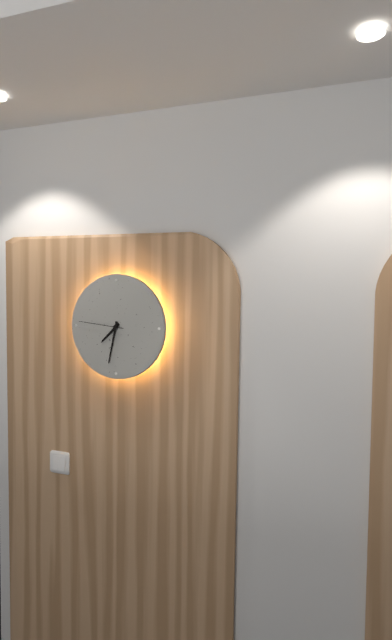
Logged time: {"hour": 7, "minute": 32}
